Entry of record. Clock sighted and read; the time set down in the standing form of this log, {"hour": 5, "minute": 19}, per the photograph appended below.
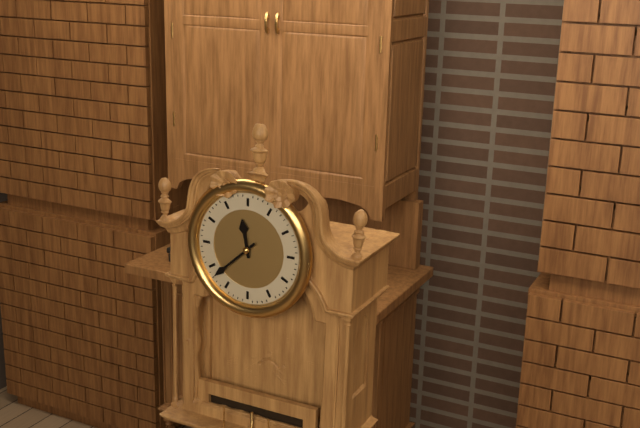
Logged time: {"hour": 11, "minute": 38}
